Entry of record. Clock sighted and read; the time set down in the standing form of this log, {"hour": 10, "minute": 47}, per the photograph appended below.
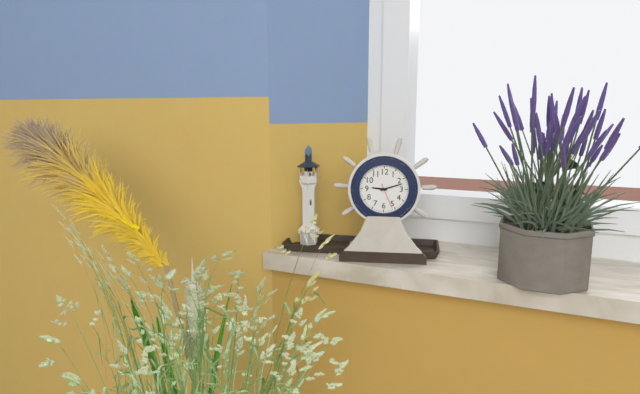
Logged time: {"hour": 9, "minute": 12}
